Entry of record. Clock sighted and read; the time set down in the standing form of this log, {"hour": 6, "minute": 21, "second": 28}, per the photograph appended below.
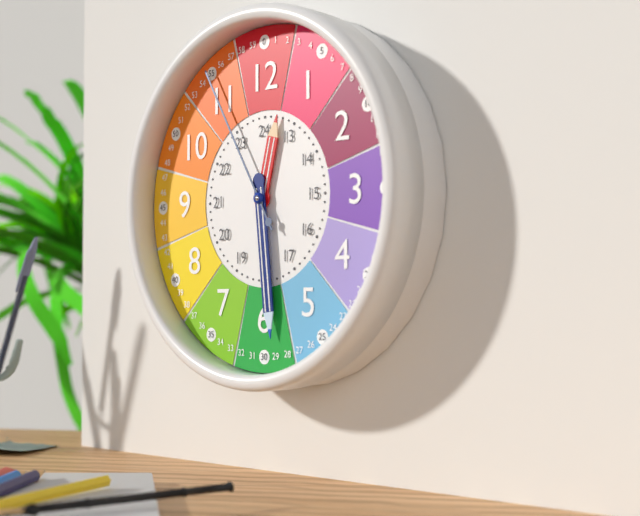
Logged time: {"hour": 12, "minute": 29, "second": 55}
